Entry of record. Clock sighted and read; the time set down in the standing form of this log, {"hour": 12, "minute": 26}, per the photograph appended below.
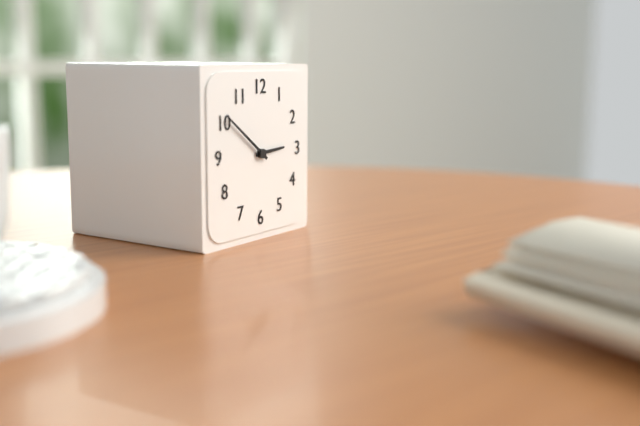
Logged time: {"hour": 2, "minute": 51}
